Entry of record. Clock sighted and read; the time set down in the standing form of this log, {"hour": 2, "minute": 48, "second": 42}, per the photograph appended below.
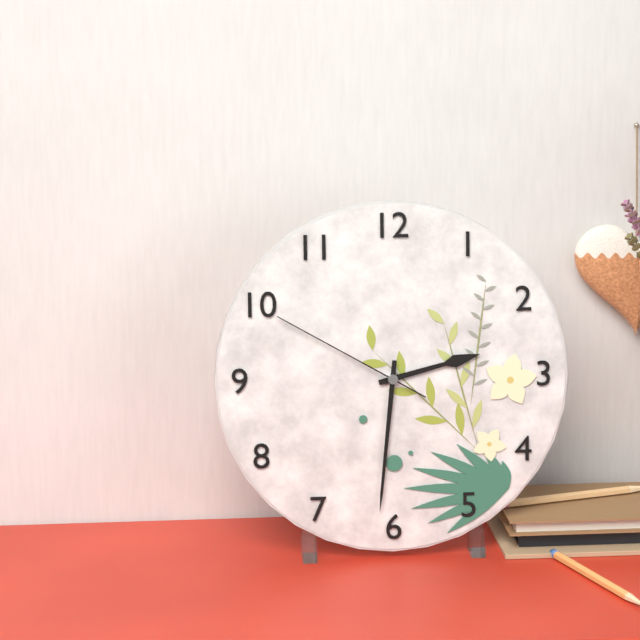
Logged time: {"hour": 2, "minute": 31, "second": 50}
